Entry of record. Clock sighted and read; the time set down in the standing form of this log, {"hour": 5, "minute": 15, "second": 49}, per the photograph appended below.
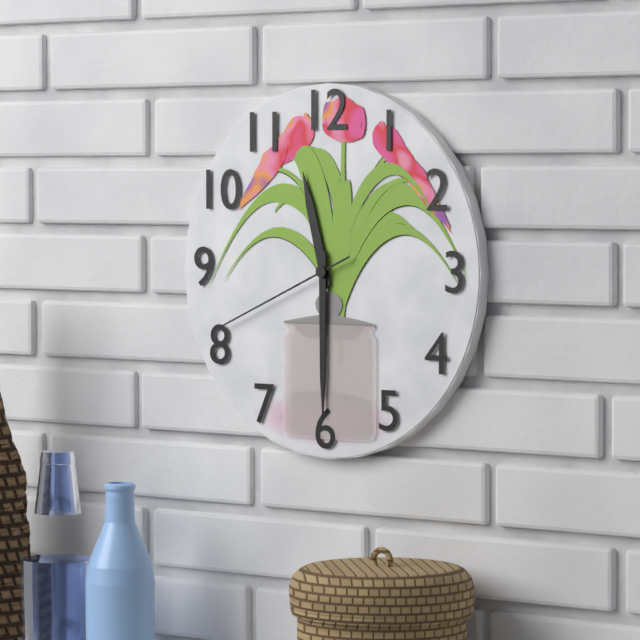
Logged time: {"hour": 11, "minute": 30, "second": 41}
